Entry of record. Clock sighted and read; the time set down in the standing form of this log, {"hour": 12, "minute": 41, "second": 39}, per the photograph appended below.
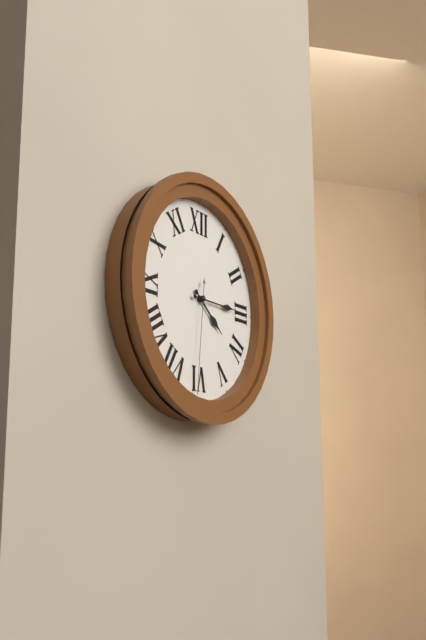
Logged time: {"hour": 4, "minute": 15, "second": 31}
